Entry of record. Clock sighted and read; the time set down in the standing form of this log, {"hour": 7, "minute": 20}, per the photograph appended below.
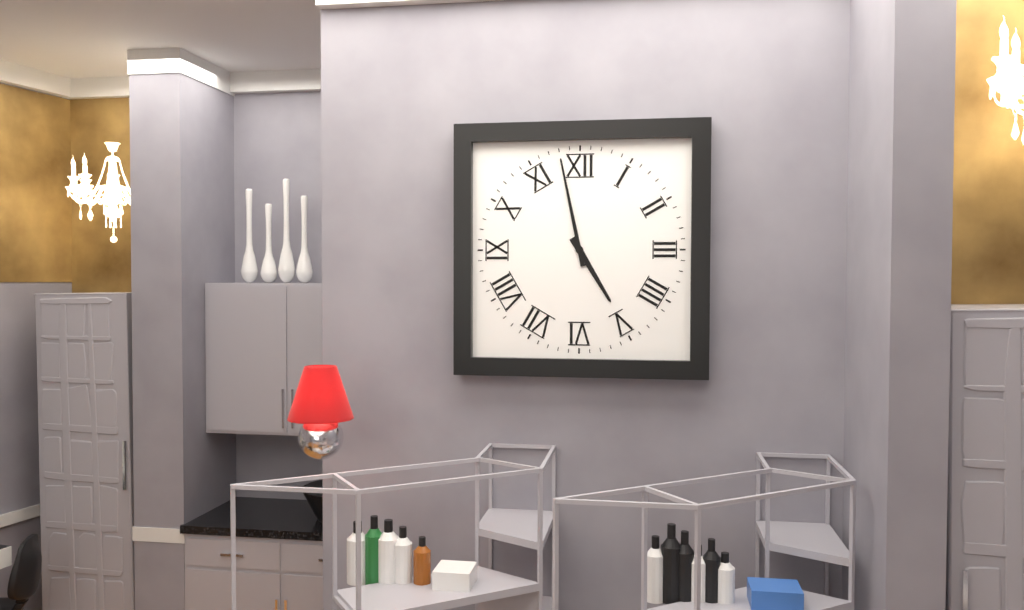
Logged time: {"hour": 4, "minute": 58}
